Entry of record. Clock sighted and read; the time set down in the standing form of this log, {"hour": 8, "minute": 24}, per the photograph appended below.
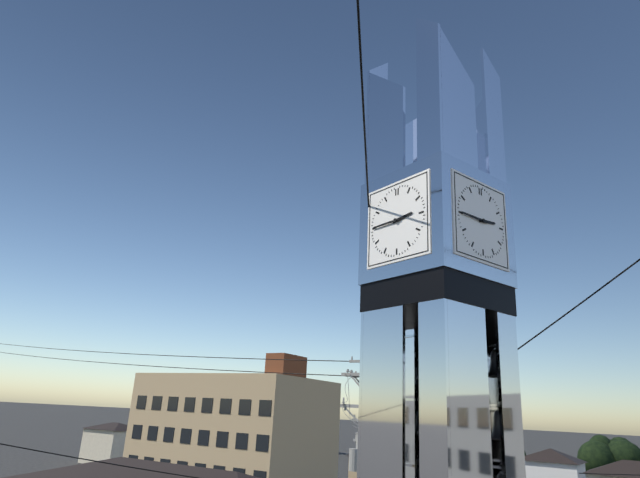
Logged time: {"hour": 2, "minute": 45}
